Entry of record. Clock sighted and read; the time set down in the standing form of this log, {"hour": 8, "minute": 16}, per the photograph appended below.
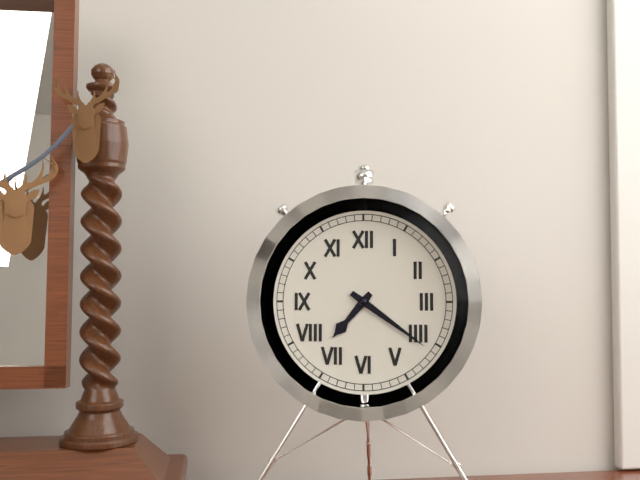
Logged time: {"hour": 7, "minute": 21}
